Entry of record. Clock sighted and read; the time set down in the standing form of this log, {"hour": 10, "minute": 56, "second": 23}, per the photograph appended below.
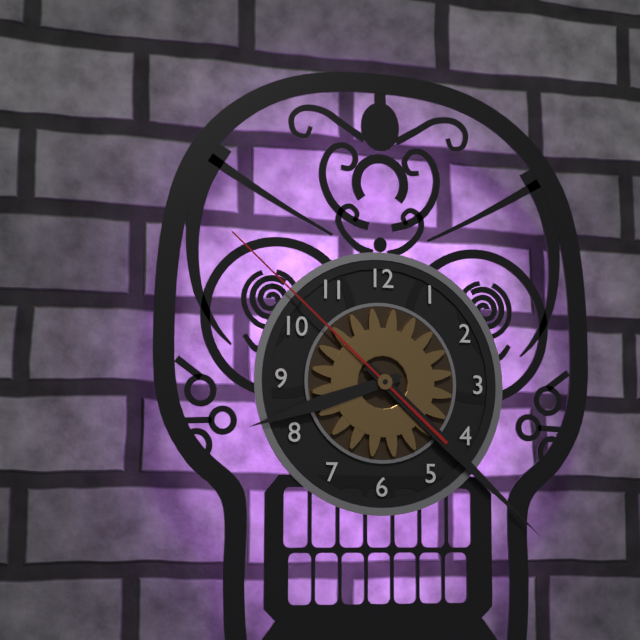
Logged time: {"hour": 8, "minute": 22, "second": 52}
